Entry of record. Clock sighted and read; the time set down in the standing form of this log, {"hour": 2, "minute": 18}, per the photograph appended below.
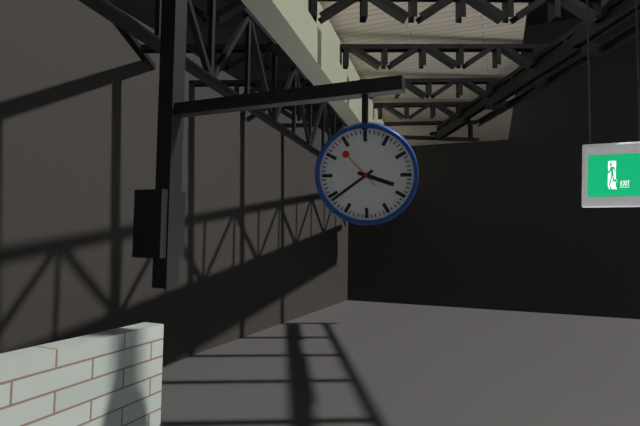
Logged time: {"hour": 3, "minute": 39}
